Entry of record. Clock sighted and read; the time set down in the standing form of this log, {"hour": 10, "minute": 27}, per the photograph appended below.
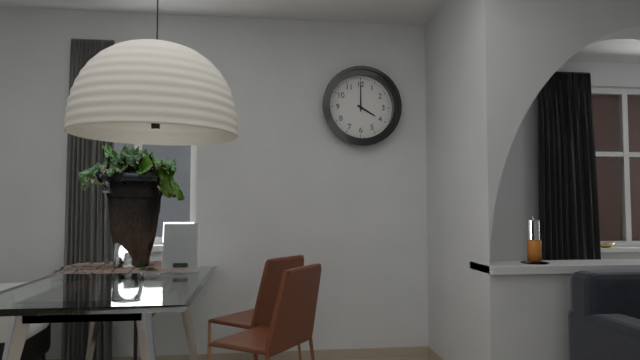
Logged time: {"hour": 4, "minute": 0}
